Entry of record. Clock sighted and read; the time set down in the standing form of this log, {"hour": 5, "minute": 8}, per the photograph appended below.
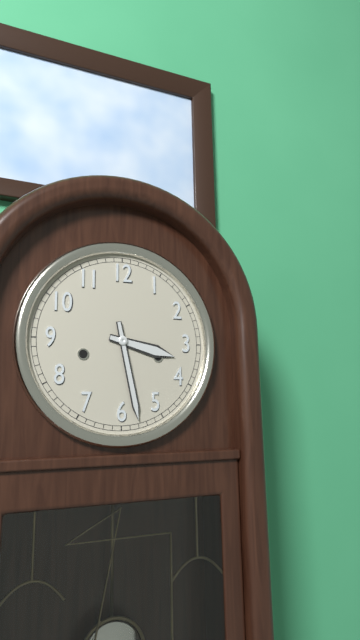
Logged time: {"hour": 3, "minute": 28}
